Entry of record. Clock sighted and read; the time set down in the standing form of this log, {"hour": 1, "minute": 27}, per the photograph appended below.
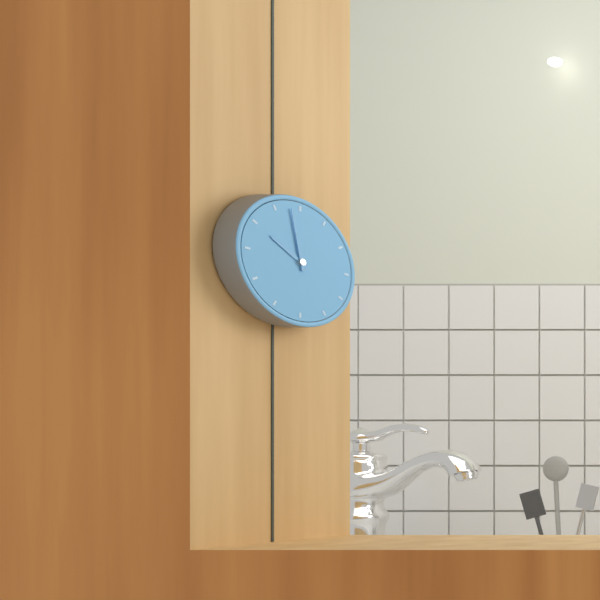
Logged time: {"hour": 9, "minute": 58}
